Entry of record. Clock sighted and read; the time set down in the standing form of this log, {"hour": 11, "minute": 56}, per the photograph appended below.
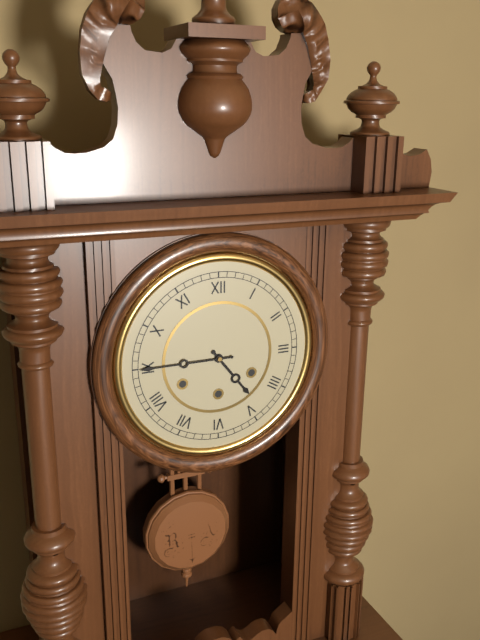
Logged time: {"hour": 4, "minute": 45}
